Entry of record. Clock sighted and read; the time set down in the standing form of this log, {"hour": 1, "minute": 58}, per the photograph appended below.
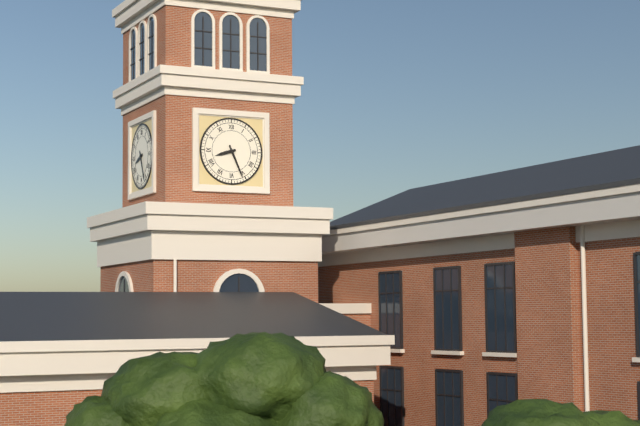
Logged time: {"hour": 8, "minute": 26}
